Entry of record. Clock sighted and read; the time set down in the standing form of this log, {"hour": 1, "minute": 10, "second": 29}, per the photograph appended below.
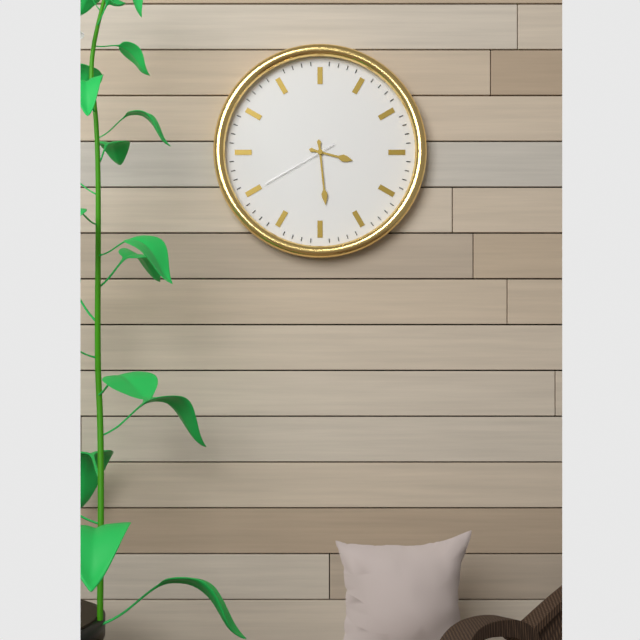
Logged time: {"hour": 3, "minute": 29, "second": 40}
